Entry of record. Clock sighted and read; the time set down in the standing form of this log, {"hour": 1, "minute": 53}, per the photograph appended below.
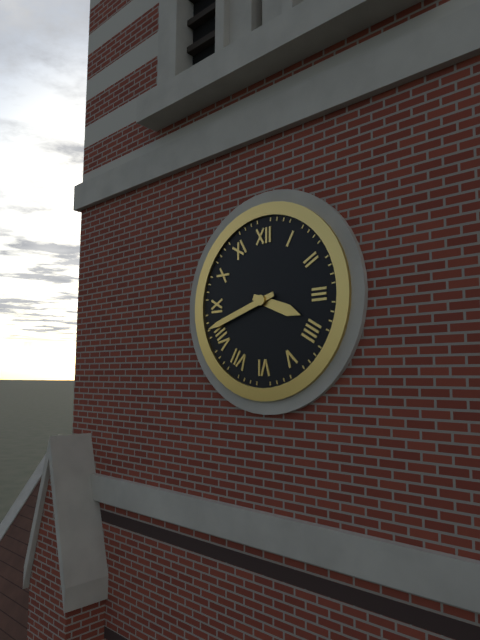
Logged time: {"hour": 3, "minute": 42}
